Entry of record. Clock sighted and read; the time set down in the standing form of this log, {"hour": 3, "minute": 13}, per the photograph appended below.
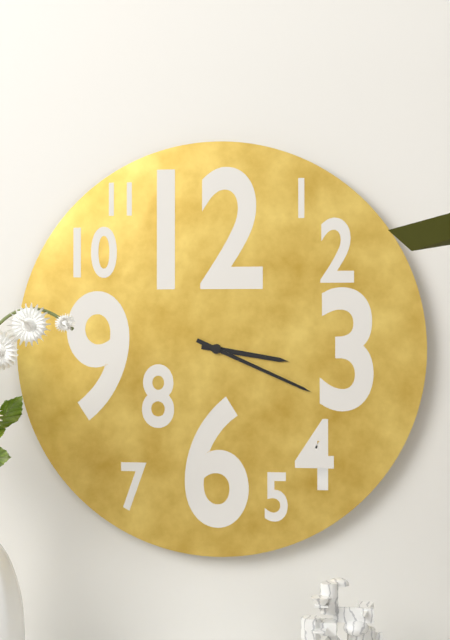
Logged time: {"hour": 3, "minute": 19}
